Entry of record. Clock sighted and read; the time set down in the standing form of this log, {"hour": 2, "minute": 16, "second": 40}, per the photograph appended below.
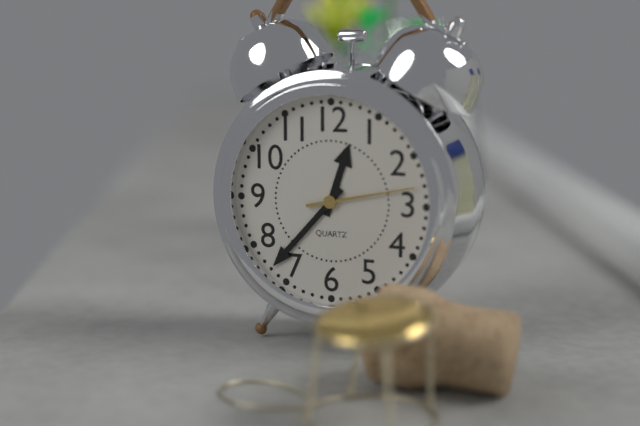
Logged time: {"hour": 12, "minute": 37, "second": 13}
